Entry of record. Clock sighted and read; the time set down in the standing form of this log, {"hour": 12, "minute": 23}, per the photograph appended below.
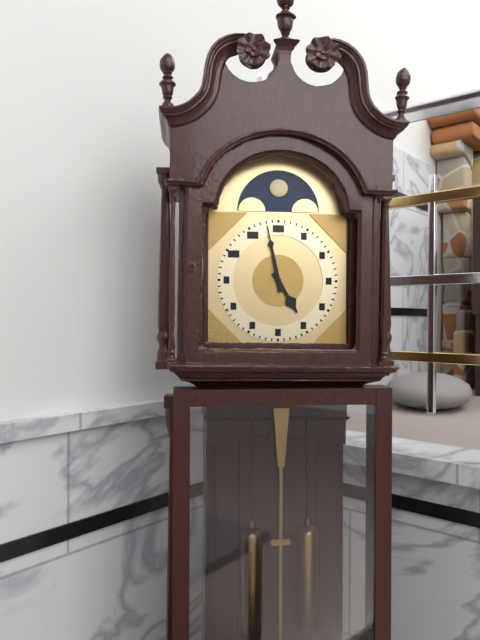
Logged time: {"hour": 4, "minute": 58}
